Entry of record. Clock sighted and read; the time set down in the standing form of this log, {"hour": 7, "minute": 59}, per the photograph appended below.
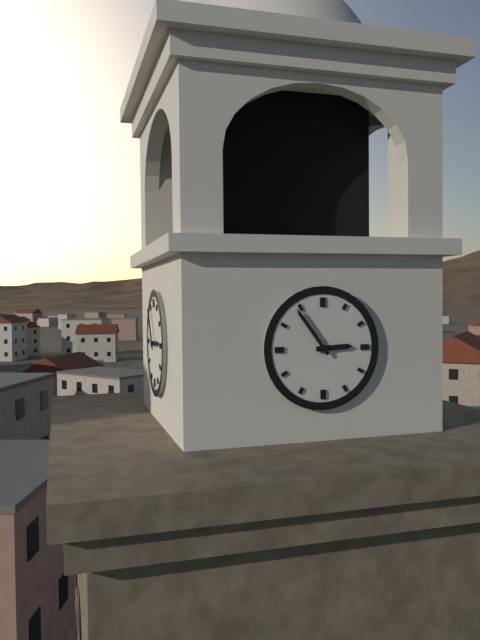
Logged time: {"hour": 2, "minute": 54}
